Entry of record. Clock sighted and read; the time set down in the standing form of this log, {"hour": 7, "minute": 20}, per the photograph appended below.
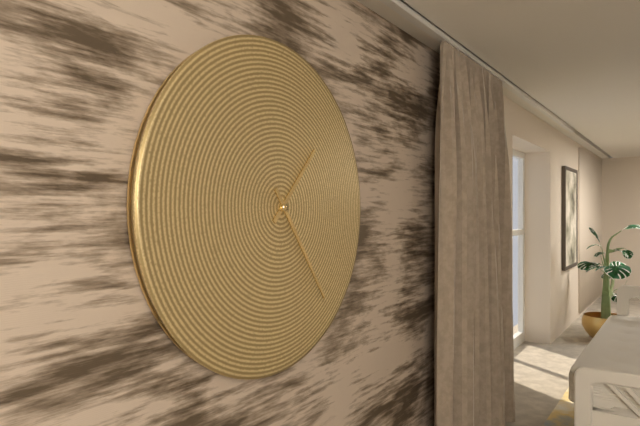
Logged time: {"hour": 1, "minute": 24}
